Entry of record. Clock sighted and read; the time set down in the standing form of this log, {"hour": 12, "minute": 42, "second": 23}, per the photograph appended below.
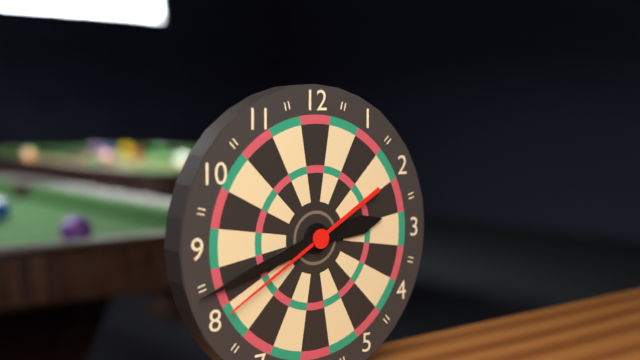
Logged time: {"hour": 2, "minute": 42, "second": 40}
